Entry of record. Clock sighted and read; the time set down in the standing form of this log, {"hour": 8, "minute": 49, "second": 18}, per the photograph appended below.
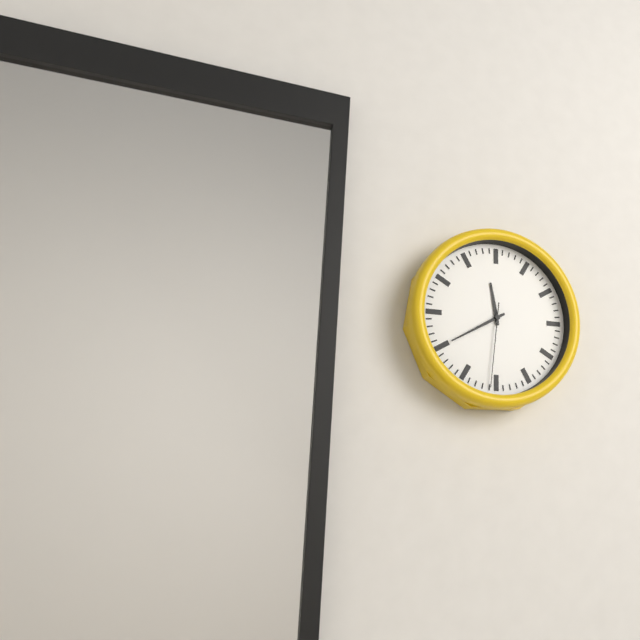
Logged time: {"hour": 11, "minute": 40, "second": 31}
